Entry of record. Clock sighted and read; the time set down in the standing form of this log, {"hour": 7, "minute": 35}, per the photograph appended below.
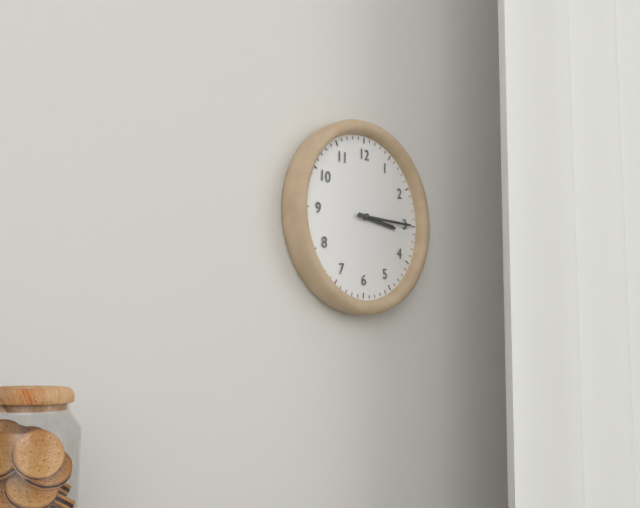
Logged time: {"hour": 3, "minute": 15}
